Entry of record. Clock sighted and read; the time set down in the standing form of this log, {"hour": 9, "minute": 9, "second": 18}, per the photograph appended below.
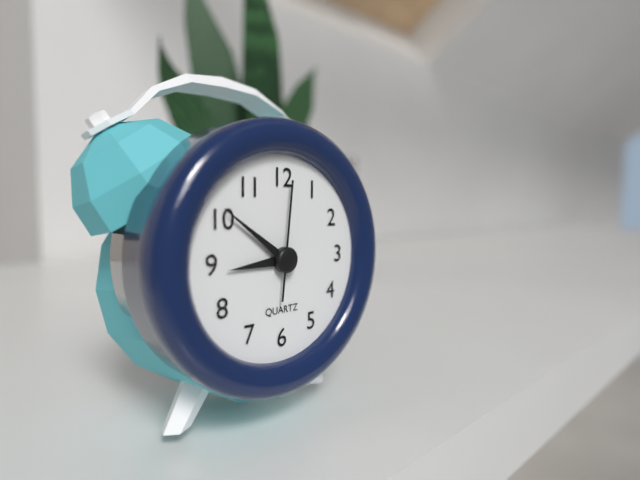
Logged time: {"hour": 8, "minute": 51, "second": 1}
